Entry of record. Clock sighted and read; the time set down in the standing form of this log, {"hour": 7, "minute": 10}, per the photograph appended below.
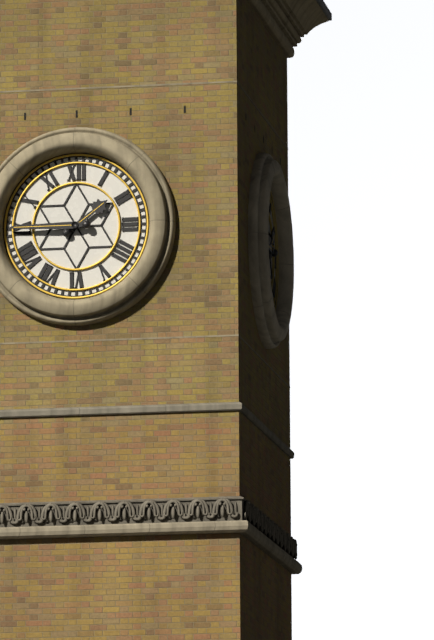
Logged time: {"hour": 1, "minute": 45}
